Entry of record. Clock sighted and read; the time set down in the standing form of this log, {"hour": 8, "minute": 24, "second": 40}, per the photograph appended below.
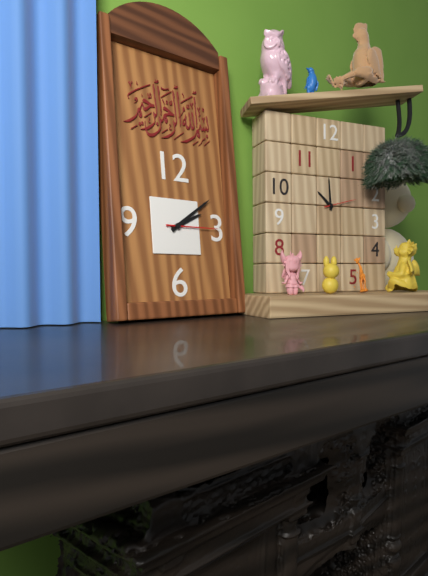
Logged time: {"hour": 2, "minute": 9, "second": 15}
